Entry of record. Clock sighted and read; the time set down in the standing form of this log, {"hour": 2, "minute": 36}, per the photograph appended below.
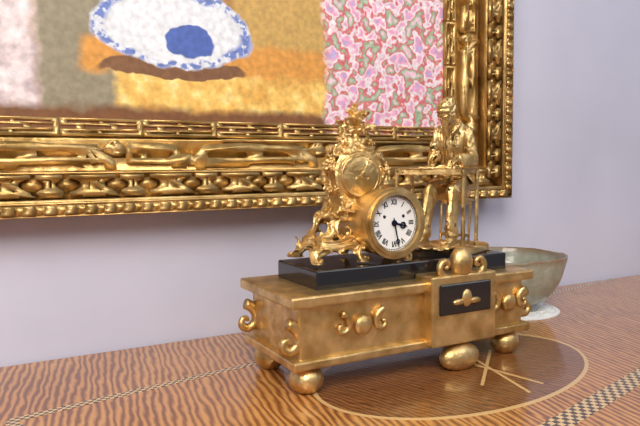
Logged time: {"hour": 3, "minute": 28}
